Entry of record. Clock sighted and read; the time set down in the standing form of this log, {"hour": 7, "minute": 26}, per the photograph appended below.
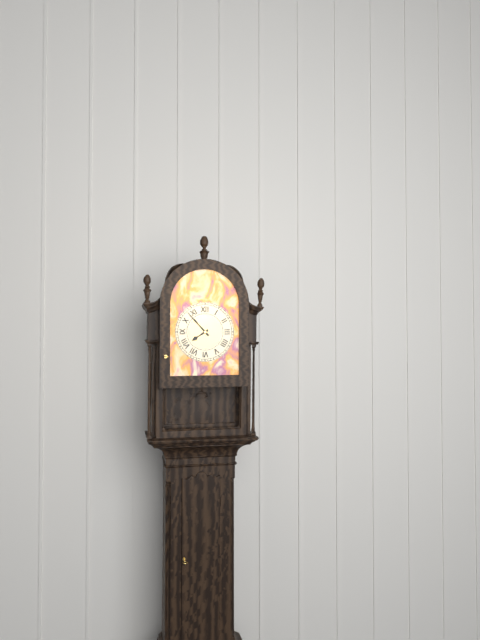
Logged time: {"hour": 7, "minute": 53}
